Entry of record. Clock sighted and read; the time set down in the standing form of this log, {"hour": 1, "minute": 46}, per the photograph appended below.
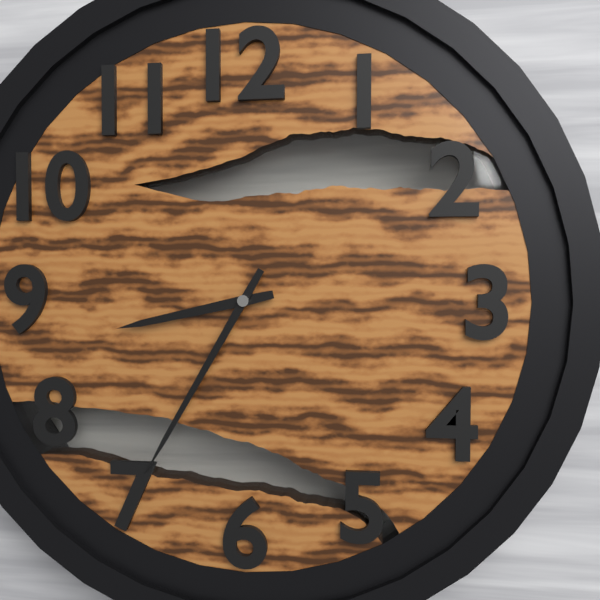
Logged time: {"hour": 8, "minute": 35}
